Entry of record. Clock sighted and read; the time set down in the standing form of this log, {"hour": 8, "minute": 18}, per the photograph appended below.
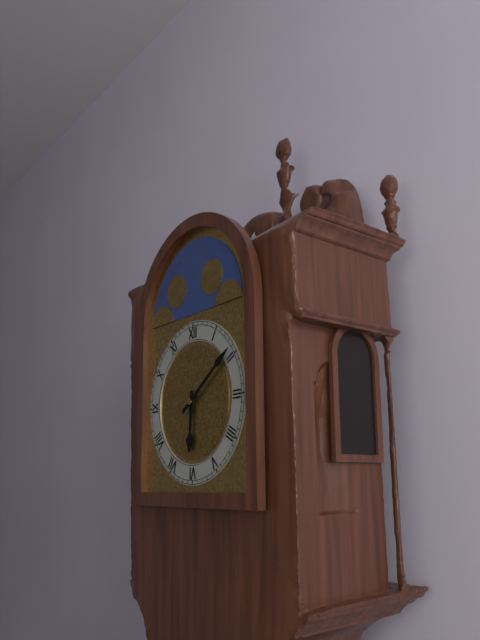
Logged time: {"hour": 6, "minute": 9}
